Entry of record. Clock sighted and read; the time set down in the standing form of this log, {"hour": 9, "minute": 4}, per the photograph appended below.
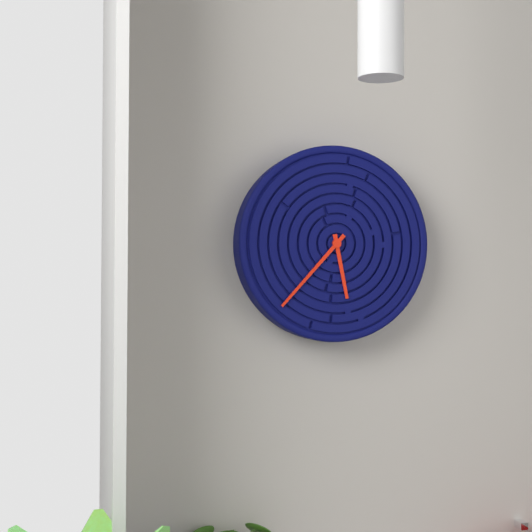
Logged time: {"hour": 5, "minute": 37}
